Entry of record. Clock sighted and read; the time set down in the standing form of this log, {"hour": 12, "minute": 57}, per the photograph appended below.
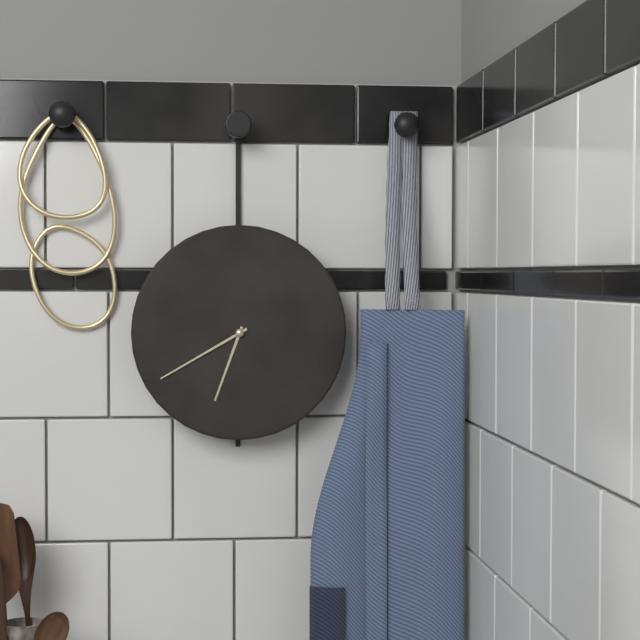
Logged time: {"hour": 6, "minute": 40}
